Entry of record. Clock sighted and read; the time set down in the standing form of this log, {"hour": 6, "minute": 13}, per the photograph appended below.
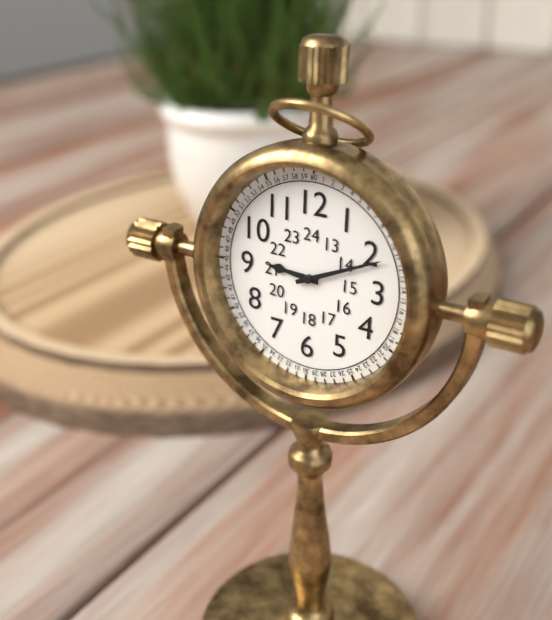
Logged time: {"hour": 9, "minute": 11}
